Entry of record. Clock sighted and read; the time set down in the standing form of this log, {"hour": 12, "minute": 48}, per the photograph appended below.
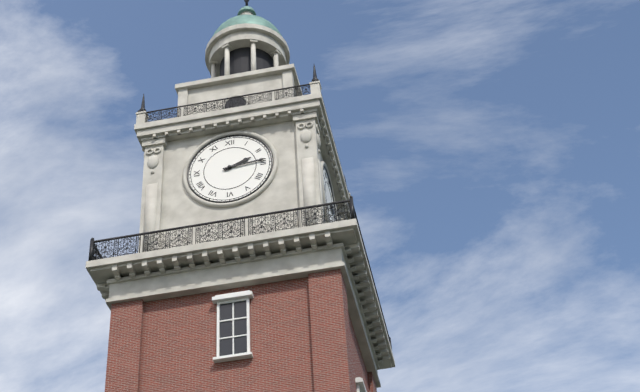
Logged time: {"hour": 2, "minute": 14}
